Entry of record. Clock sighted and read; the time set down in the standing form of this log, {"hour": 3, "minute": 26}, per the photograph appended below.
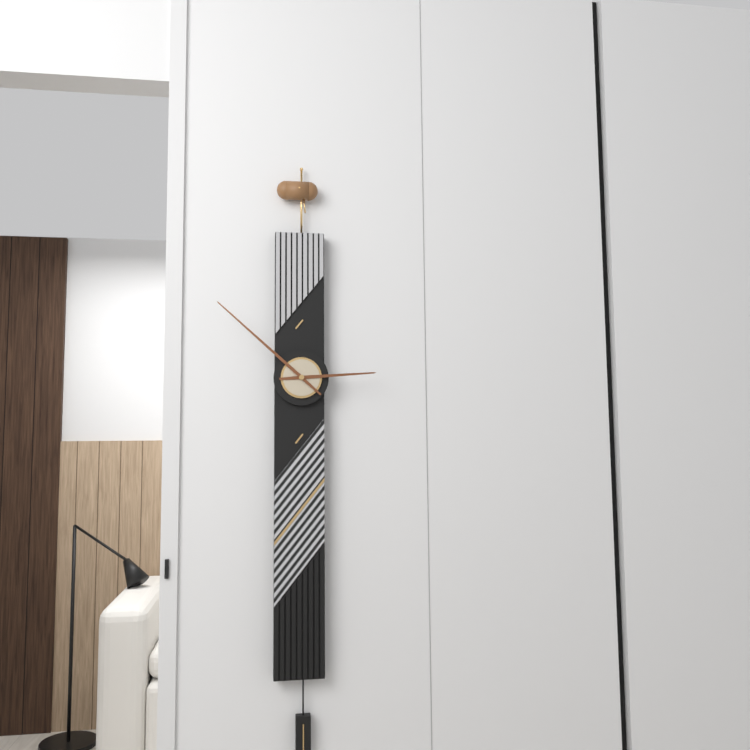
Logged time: {"hour": 2, "minute": 52}
